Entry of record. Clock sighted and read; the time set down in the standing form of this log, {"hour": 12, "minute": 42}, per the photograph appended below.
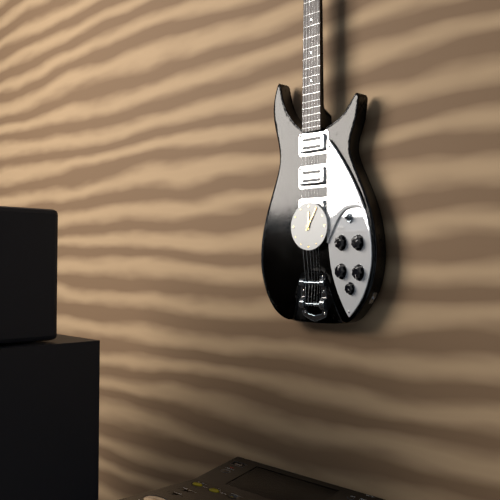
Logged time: {"hour": 12, "minute": 5}
